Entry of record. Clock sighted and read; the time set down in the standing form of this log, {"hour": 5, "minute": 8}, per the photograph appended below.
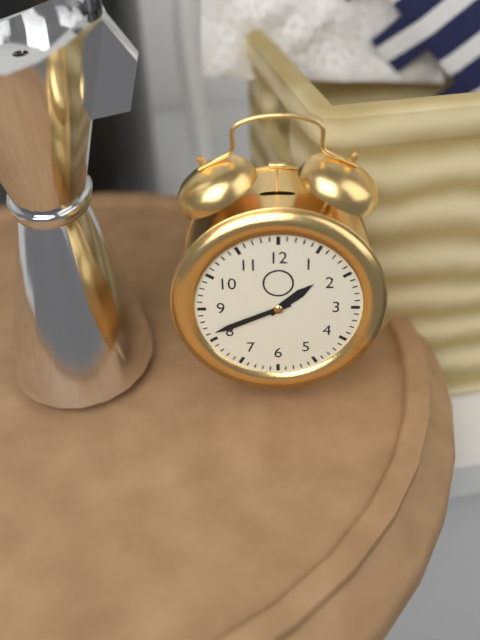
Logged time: {"hour": 1, "minute": 41}
